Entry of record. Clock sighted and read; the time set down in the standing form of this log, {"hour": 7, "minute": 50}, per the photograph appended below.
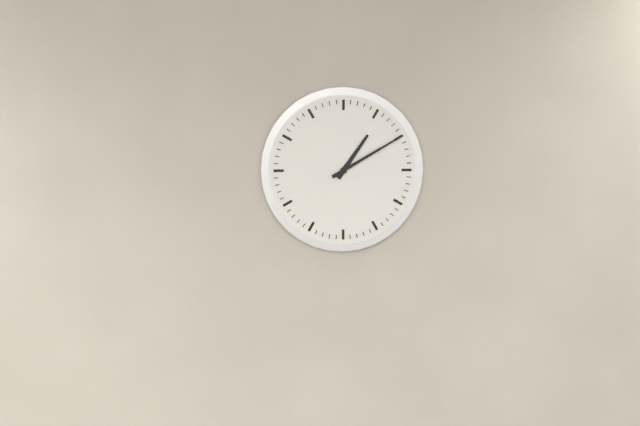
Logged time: {"hour": 1, "minute": 10}
